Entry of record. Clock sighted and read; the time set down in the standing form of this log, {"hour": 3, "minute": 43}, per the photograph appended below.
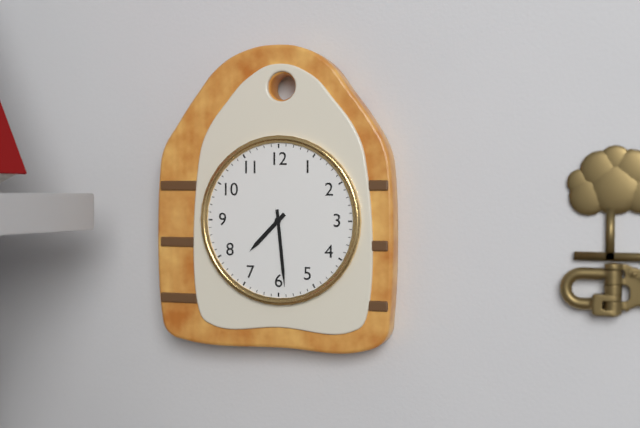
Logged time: {"hour": 7, "minute": 29}
